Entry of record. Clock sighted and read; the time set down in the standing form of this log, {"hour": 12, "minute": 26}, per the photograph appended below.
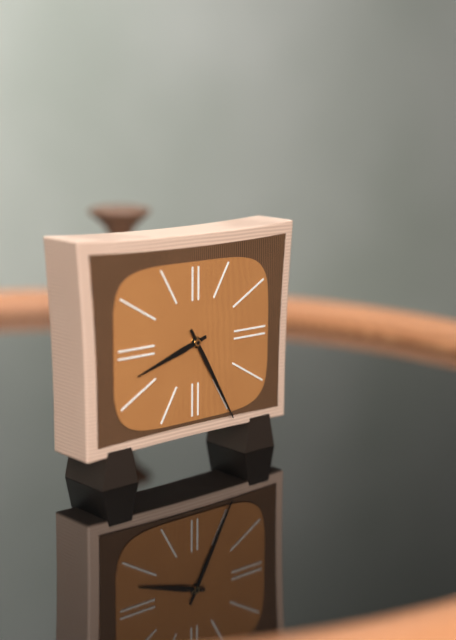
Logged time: {"hour": 8, "minute": 25}
